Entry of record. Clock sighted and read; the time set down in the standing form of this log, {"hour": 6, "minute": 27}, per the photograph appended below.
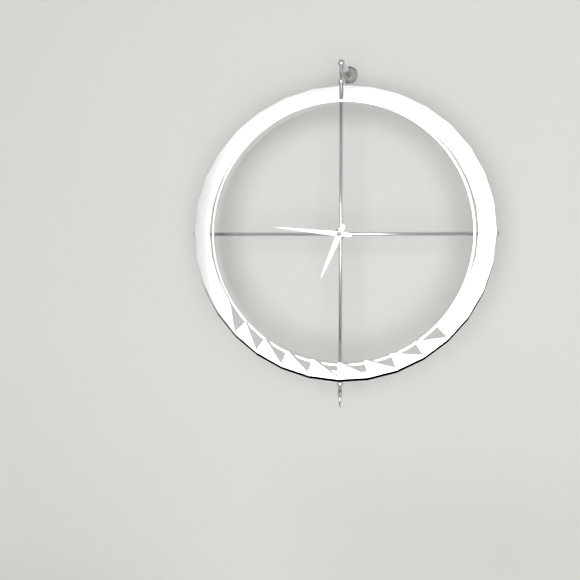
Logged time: {"hour": 6, "minute": 46}
